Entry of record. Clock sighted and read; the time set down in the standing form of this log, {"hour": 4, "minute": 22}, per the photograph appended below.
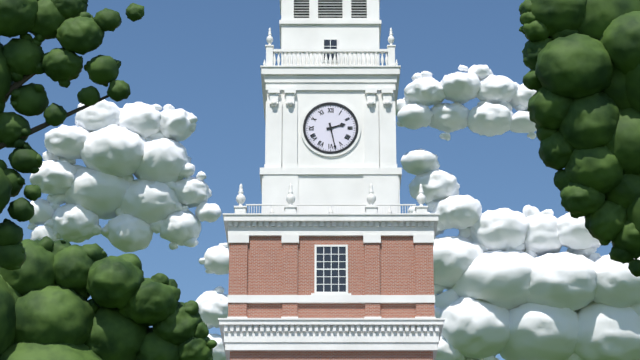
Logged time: {"hour": 2, "minute": 28}
